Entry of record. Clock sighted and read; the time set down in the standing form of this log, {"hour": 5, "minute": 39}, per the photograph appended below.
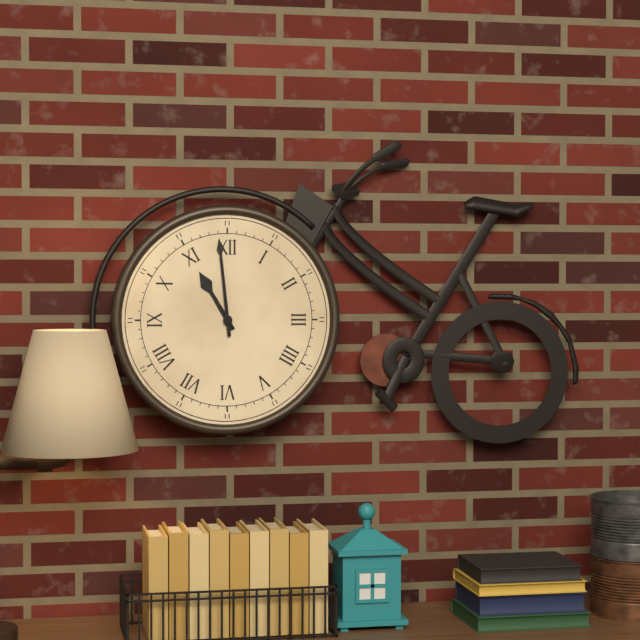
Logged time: {"hour": 10, "minute": 59}
